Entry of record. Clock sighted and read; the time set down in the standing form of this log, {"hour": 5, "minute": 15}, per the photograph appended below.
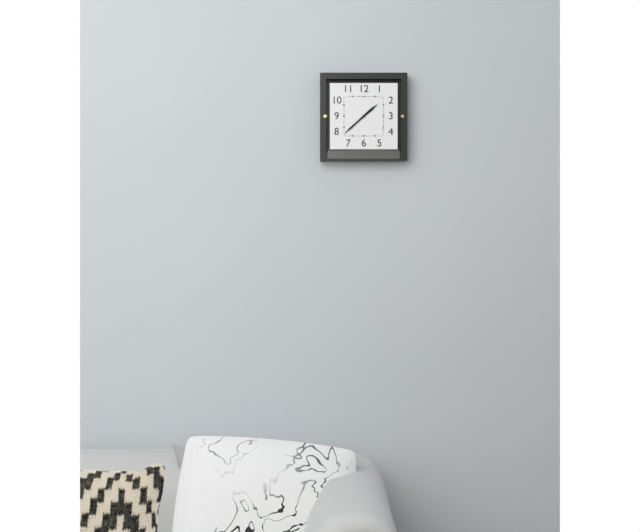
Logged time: {"hour": 1, "minute": 38}
